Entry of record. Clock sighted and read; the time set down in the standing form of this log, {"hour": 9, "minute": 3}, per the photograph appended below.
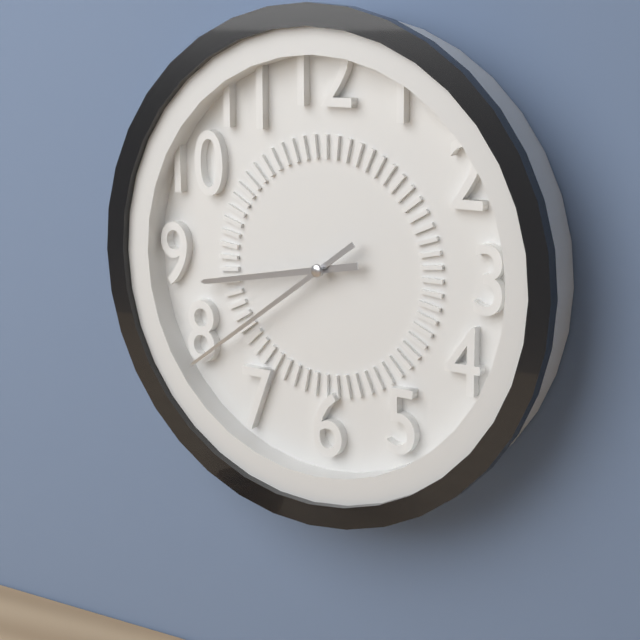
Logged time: {"hour": 8, "minute": 39}
